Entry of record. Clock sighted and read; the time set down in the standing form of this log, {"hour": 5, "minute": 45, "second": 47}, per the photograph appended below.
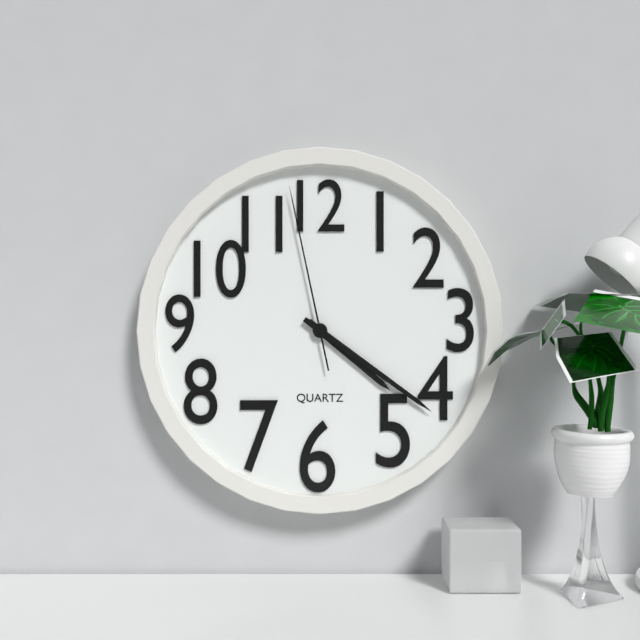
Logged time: {"hour": 4, "minute": 21, "second": 58}
